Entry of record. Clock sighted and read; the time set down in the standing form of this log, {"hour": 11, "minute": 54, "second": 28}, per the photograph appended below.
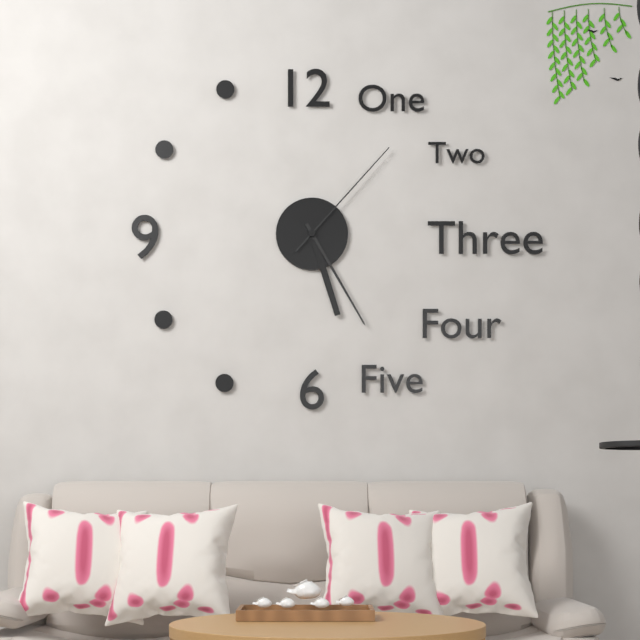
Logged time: {"hour": 5, "minute": 25, "second": 7}
